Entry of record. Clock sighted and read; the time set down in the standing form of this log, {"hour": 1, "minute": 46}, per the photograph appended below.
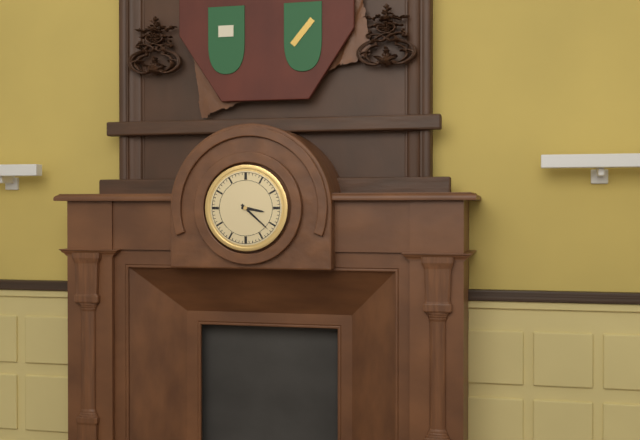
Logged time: {"hour": 3, "minute": 22}
